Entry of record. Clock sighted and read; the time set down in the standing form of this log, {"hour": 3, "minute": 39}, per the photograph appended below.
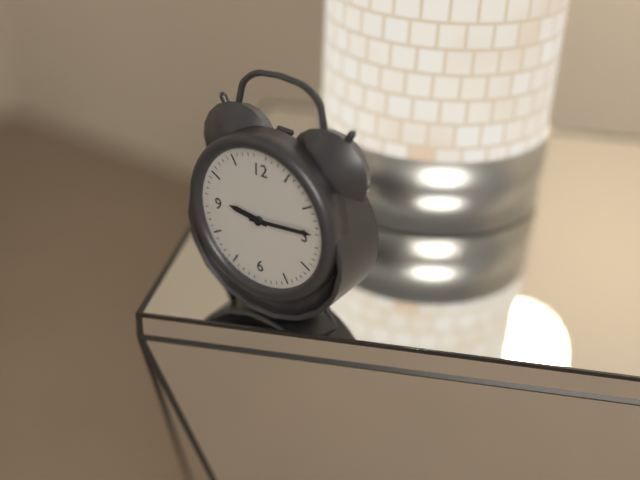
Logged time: {"hour": 9, "minute": 14}
